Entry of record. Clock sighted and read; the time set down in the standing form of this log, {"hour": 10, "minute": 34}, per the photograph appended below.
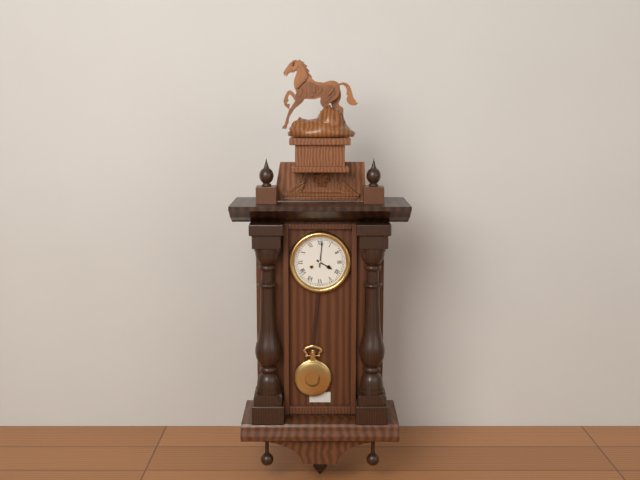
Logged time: {"hour": 4, "minute": 1}
